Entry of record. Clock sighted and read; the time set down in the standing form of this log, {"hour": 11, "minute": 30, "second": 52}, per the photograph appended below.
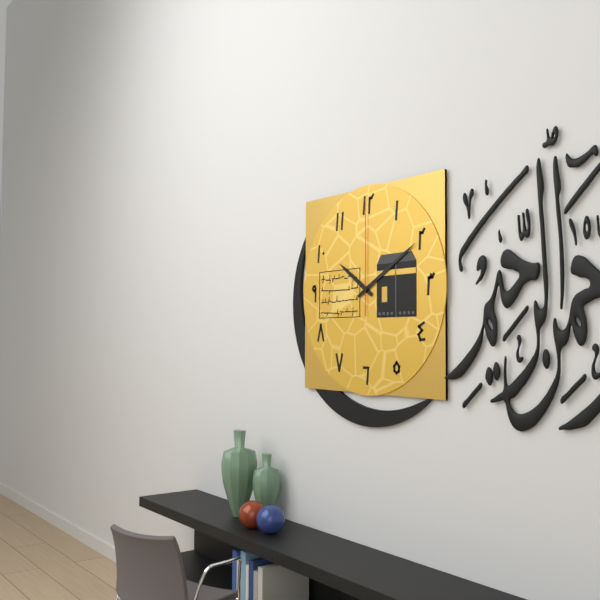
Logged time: {"hour": 10, "minute": 10, "second": 0}
